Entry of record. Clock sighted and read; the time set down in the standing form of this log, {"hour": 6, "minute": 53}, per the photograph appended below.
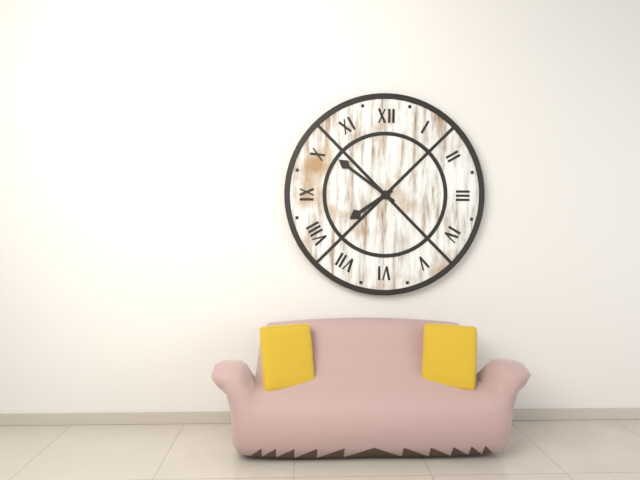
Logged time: {"hour": 7, "minute": 51}
